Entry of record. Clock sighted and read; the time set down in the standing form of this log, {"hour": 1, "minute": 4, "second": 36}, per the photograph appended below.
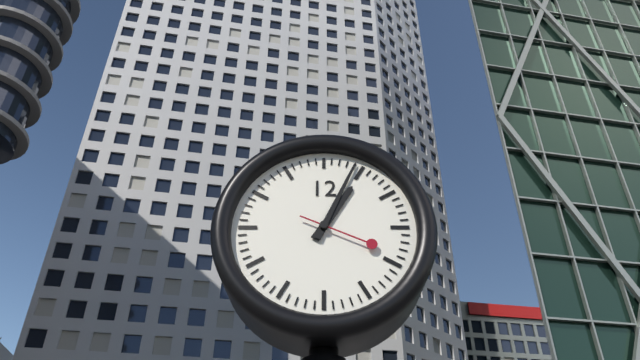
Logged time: {"hour": 1, "minute": 4, "second": 19}
